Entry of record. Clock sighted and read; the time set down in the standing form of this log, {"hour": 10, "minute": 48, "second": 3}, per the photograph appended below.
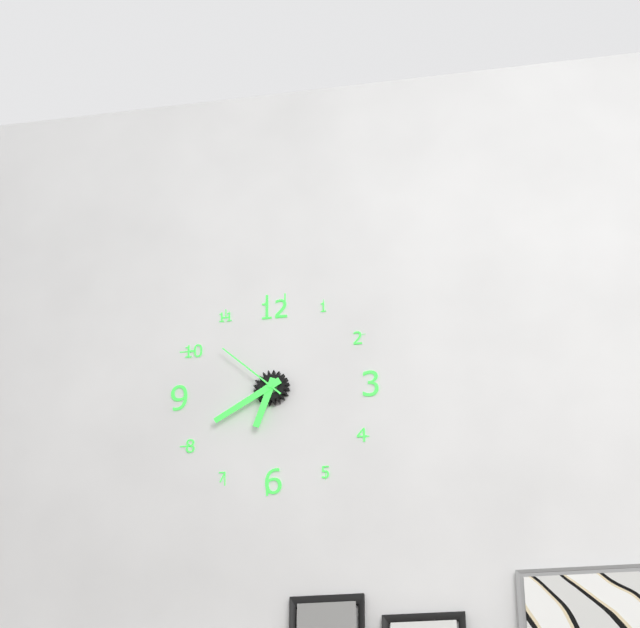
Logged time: {"hour": 6, "minute": 40, "second": 52}
